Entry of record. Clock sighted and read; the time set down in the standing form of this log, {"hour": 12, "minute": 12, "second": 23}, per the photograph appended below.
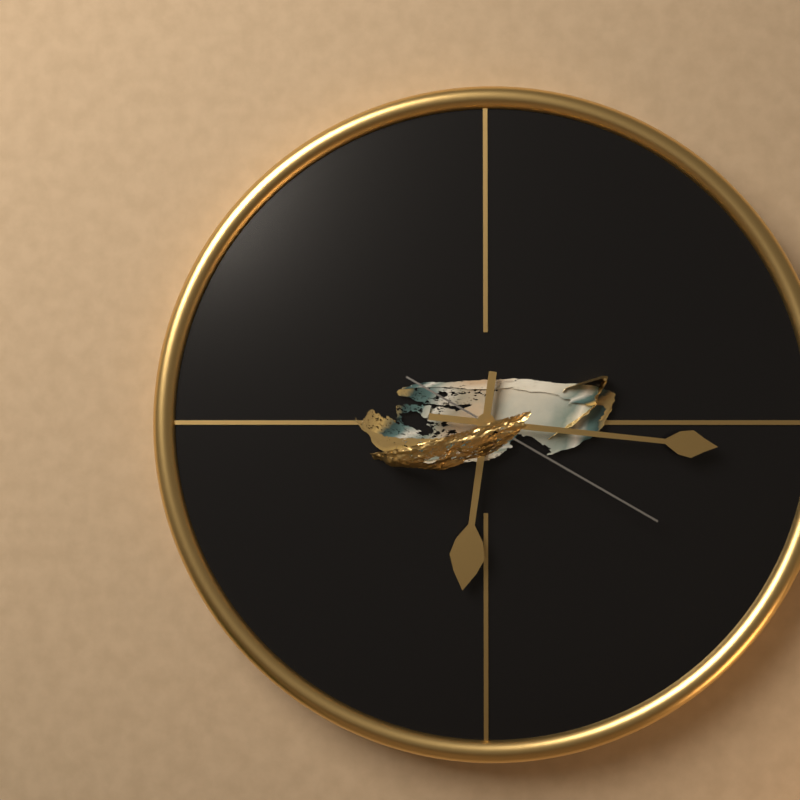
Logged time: {"hour": 6, "minute": 16, "second": 20}
